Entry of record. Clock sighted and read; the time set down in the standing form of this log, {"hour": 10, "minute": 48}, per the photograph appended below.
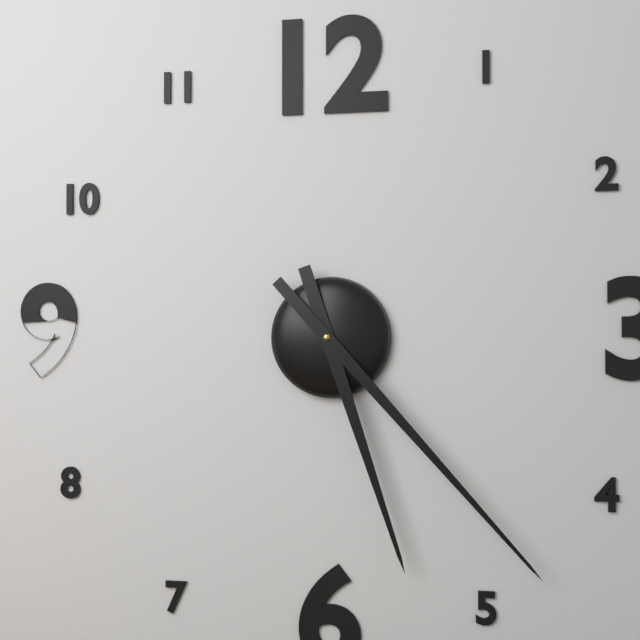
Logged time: {"hour": 5, "minute": 23}
